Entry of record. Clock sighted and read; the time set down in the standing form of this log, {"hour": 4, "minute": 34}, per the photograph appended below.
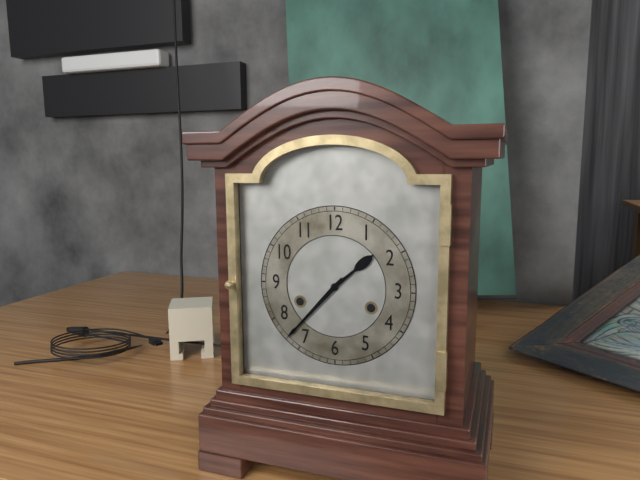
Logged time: {"hour": 1, "minute": 37}
